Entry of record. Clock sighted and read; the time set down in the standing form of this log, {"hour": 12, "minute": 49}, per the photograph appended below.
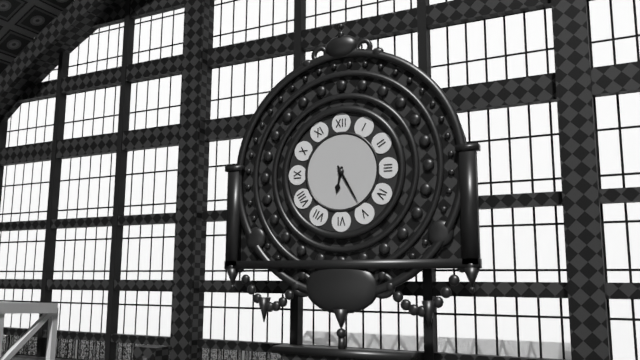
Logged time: {"hour": 6, "minute": 25}
